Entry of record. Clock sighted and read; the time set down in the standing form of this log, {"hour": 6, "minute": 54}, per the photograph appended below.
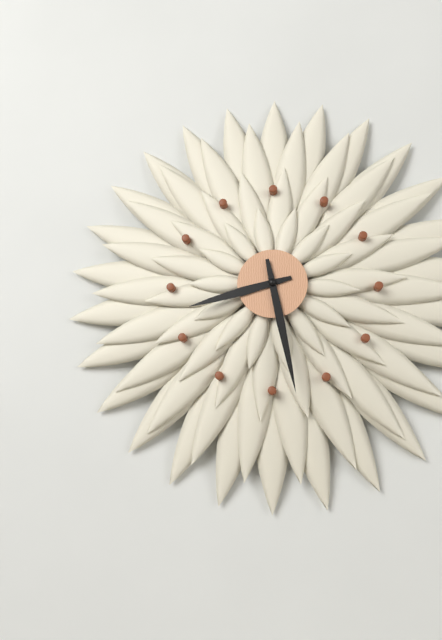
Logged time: {"hour": 8, "minute": 28}
